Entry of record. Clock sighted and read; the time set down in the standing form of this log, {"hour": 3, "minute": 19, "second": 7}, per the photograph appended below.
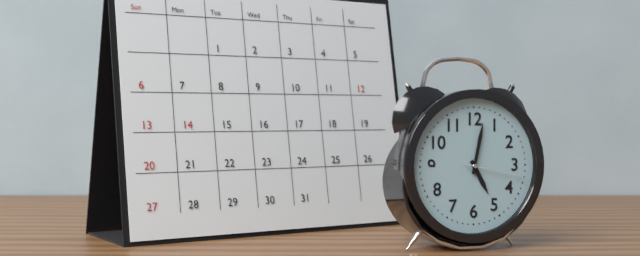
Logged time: {"hour": 5, "minute": 2, "second": 17}
